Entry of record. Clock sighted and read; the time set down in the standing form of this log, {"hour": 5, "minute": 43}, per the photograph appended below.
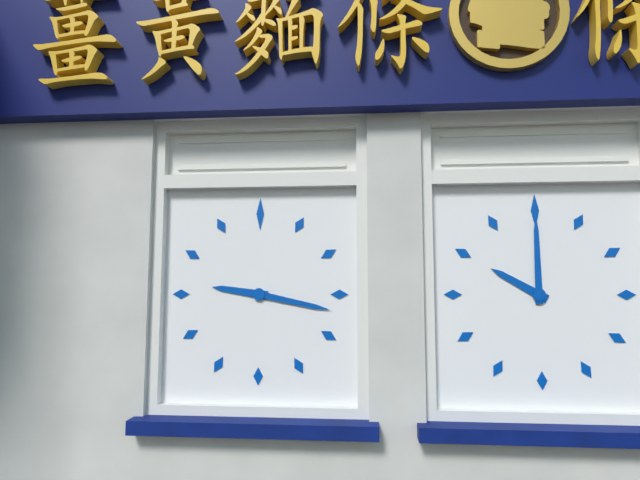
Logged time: {"hour": 9, "minute": 17}
